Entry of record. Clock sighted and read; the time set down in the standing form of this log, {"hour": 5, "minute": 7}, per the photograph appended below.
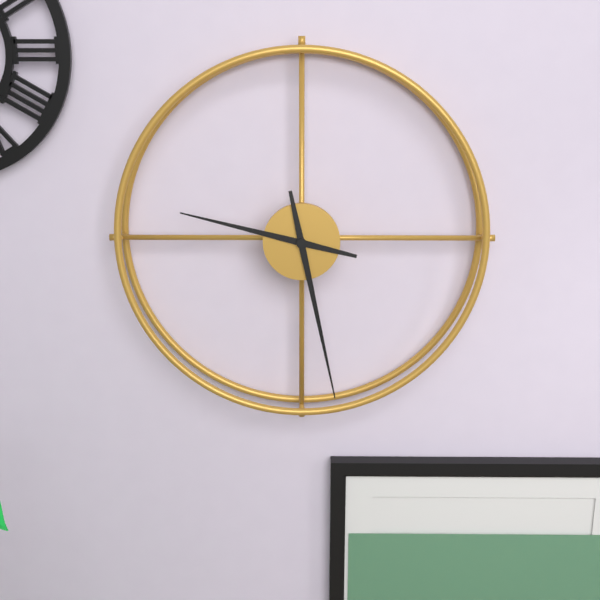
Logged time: {"hour": 9, "minute": 28}
